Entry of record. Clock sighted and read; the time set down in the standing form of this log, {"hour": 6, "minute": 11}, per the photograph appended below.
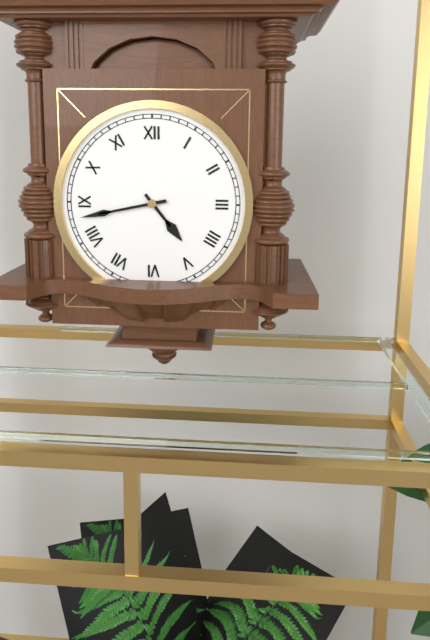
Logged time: {"hour": 4, "minute": 43}
